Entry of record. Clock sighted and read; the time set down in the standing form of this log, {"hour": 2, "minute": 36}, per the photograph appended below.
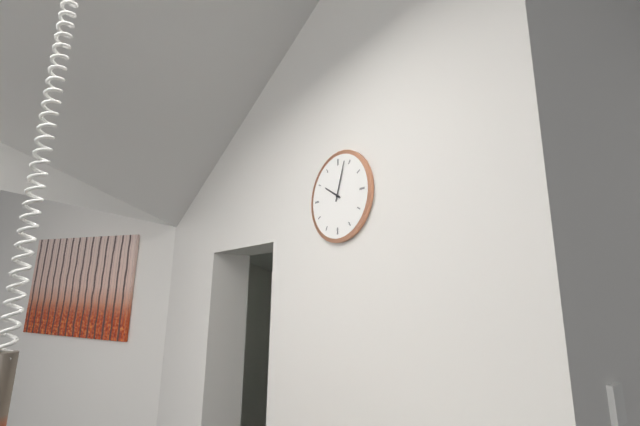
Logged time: {"hour": 10, "minute": 3}
